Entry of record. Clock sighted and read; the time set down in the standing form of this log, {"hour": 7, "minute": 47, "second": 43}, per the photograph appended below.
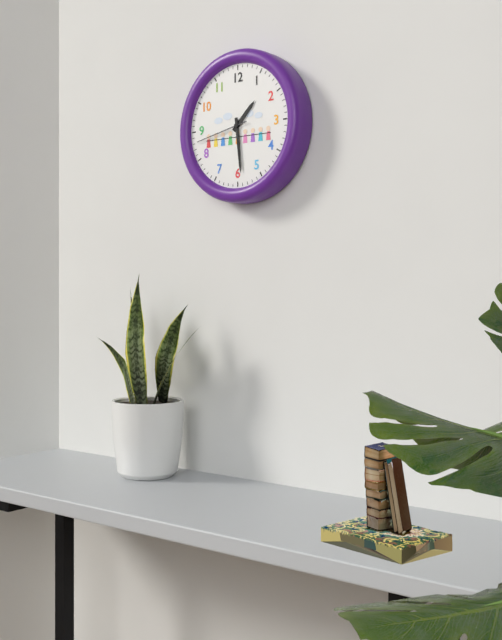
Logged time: {"hour": 1, "minute": 29, "second": 43}
